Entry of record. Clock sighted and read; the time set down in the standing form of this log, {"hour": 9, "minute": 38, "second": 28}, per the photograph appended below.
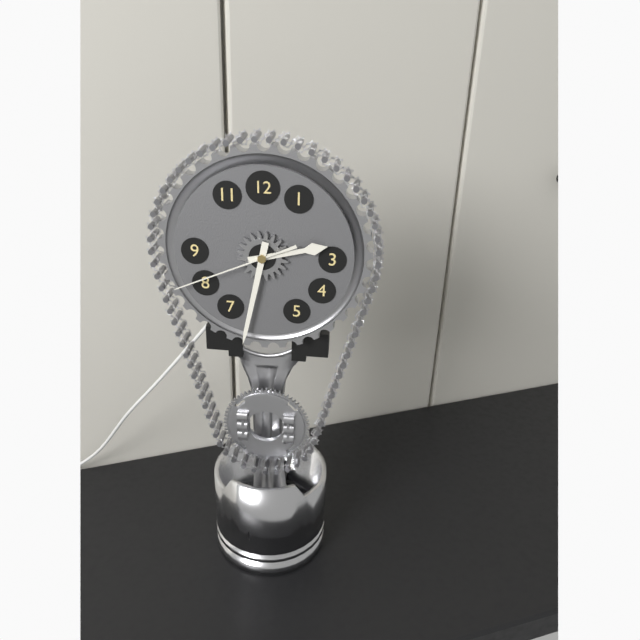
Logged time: {"hour": 2, "minute": 32, "second": 41}
